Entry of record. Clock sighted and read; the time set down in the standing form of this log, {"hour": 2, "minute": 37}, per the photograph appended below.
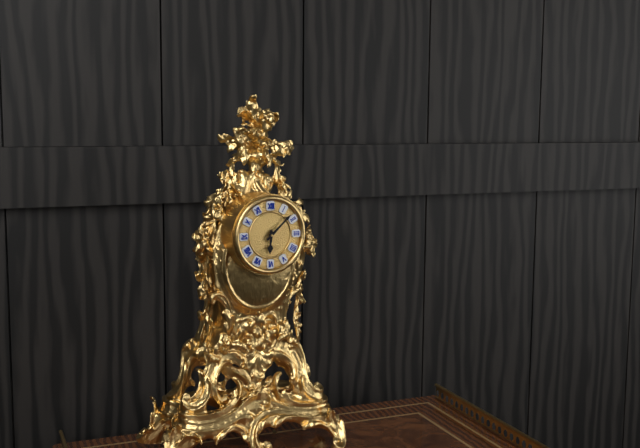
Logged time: {"hour": 6, "minute": 8}
